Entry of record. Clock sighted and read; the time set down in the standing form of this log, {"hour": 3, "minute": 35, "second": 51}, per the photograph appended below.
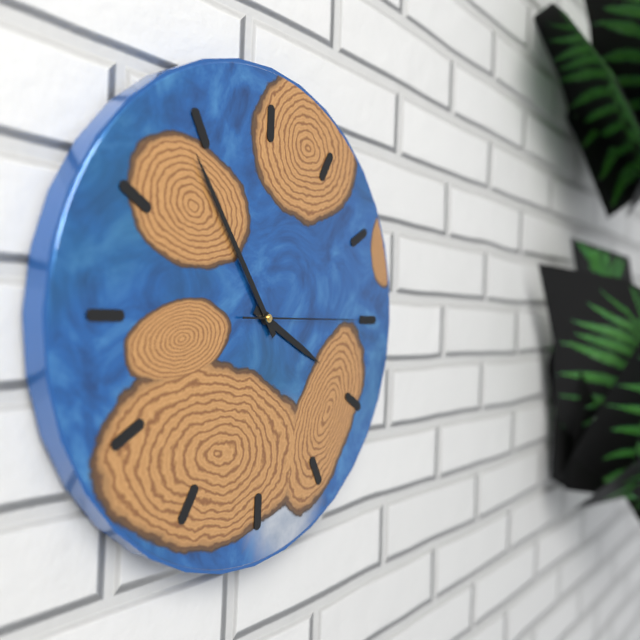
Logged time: {"hour": 3, "minute": 54, "second": 15}
